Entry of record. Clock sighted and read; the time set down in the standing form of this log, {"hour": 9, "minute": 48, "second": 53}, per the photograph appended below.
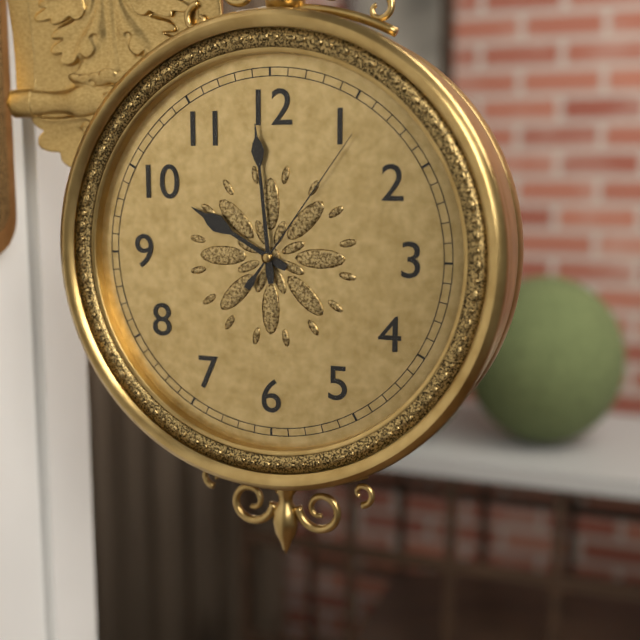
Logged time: {"hour": 9, "minute": 59, "second": 6}
